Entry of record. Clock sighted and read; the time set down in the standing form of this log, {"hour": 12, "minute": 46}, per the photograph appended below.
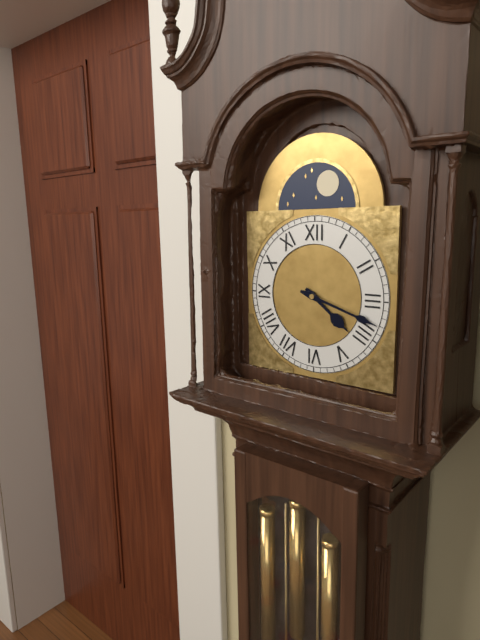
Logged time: {"hour": 4, "minute": 18}
